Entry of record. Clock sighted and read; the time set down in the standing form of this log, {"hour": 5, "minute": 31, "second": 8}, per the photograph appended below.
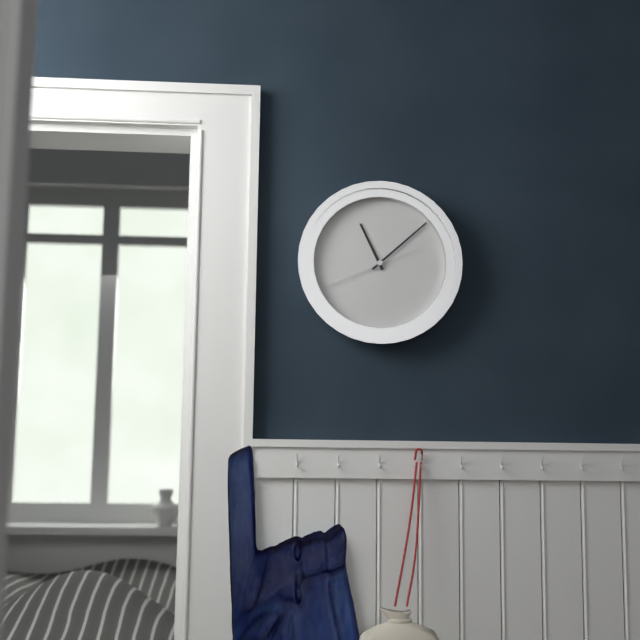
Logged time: {"hour": 11, "minute": 8, "second": 41}
